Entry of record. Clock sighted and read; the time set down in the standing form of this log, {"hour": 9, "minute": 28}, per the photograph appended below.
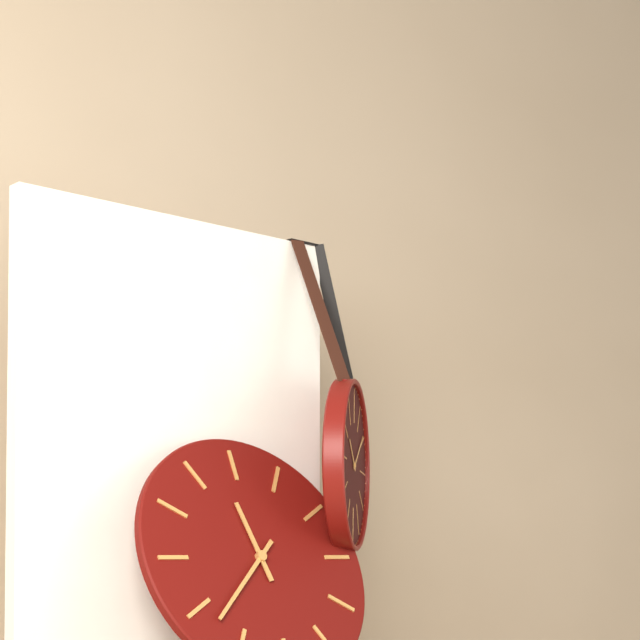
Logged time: {"hour": 11, "minute": 38}
